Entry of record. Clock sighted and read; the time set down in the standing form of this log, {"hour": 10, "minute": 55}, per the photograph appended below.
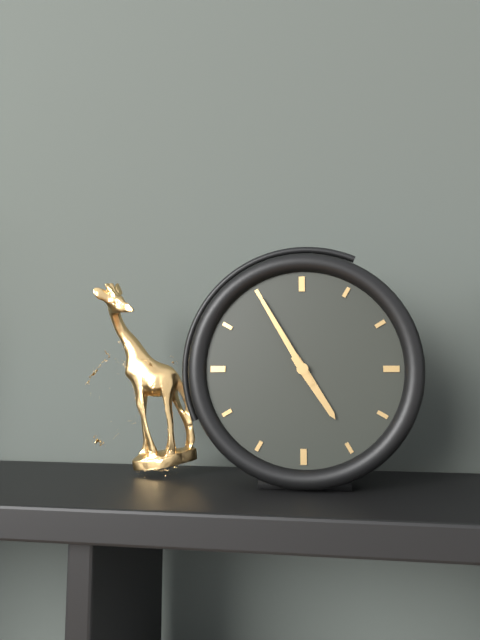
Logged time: {"hour": 4, "minute": 55}
